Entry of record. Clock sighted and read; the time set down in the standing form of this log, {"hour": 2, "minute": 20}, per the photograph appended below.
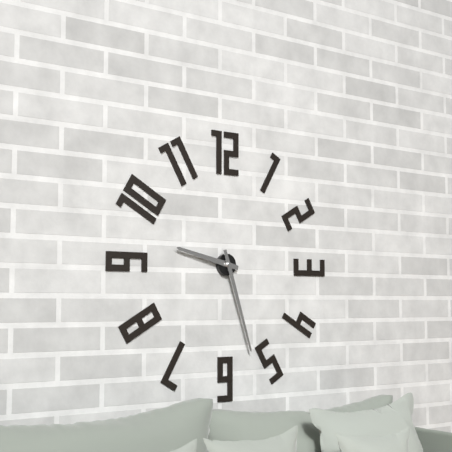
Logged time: {"hour": 9, "minute": 27}
